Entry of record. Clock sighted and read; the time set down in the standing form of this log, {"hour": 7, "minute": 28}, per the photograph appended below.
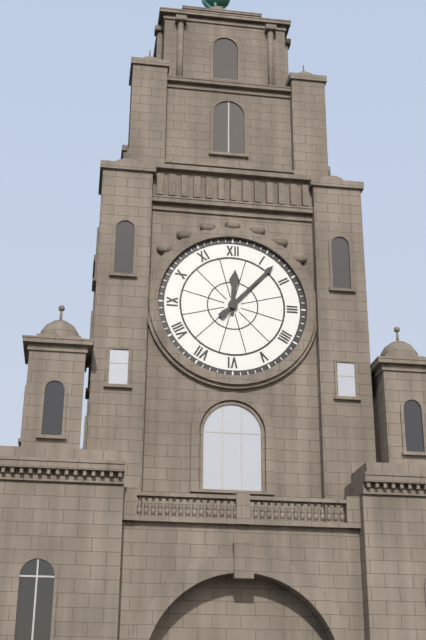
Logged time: {"hour": 12, "minute": 7}
